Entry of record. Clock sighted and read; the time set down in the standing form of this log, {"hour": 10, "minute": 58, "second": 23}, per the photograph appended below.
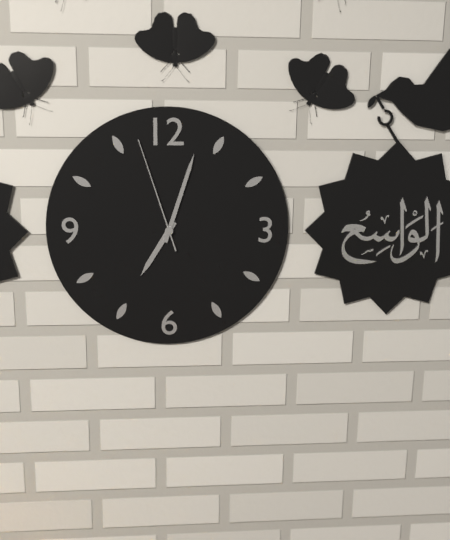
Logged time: {"hour": 7, "minute": 3, "second": 57}
